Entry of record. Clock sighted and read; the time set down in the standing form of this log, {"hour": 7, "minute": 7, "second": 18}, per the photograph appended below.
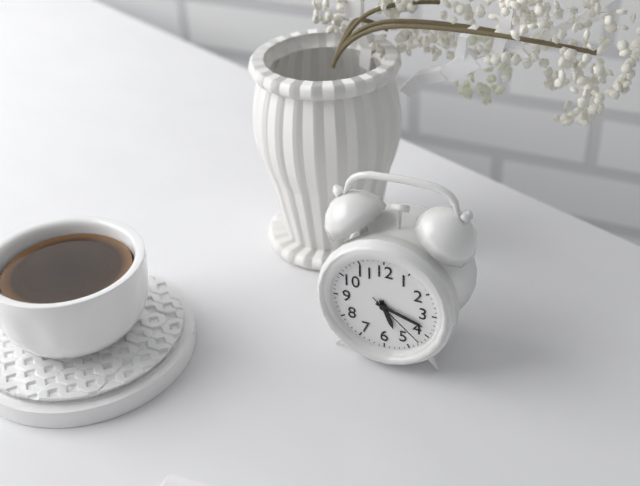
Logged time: {"hour": 5, "minute": 18, "second": 22}
